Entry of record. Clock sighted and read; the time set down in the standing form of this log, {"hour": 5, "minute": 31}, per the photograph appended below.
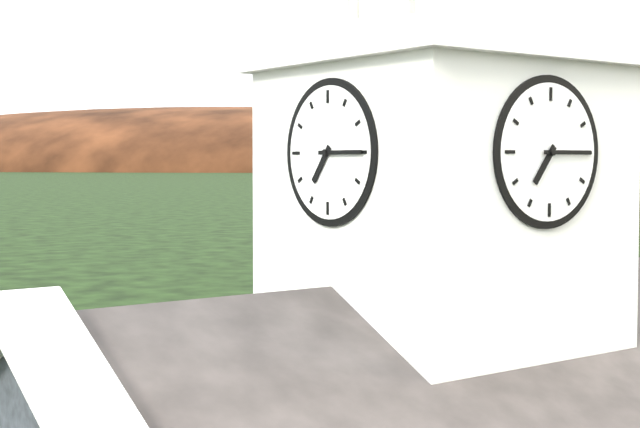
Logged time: {"hour": 7, "minute": 15}
